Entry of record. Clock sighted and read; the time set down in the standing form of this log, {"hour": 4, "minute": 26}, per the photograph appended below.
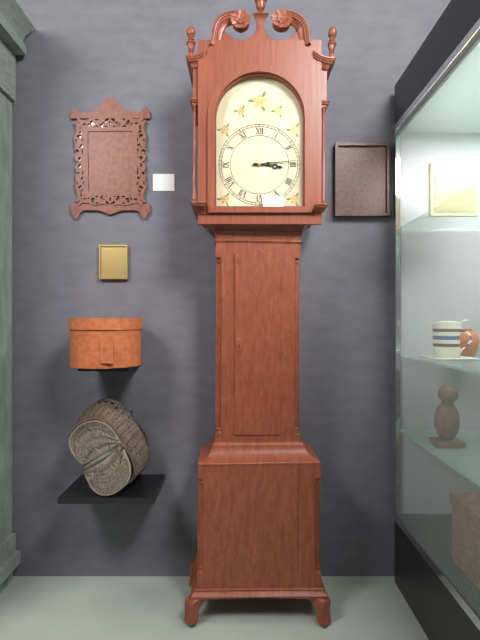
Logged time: {"hour": 3, "minute": 14}
